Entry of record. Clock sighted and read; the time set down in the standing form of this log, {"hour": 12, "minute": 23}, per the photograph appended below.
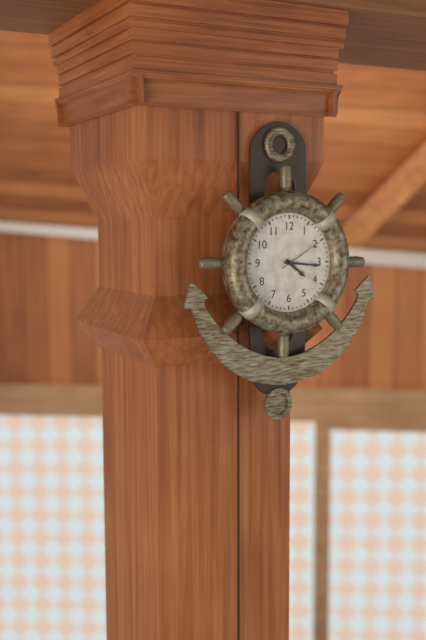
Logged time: {"hour": 4, "minute": 16}
